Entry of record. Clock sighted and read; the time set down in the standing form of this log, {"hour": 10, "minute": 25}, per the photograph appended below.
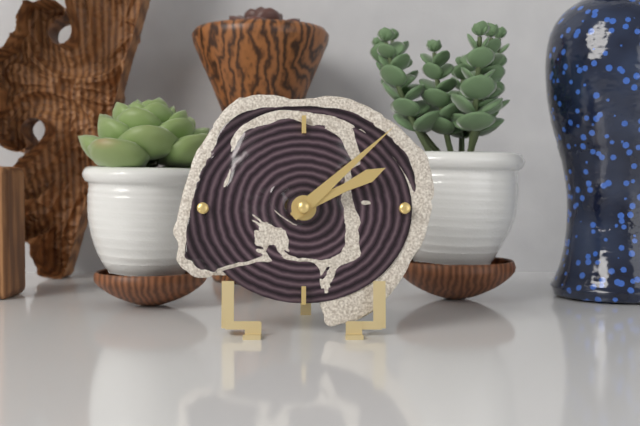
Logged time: {"hour": 2, "minute": 8}
